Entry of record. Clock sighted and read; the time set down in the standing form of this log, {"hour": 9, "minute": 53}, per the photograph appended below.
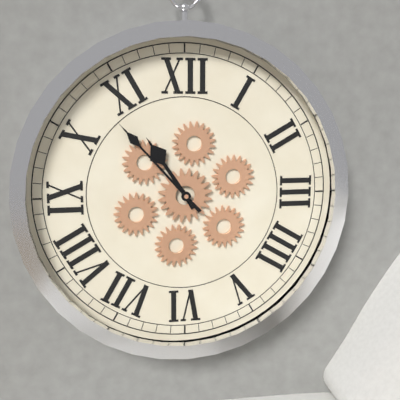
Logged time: {"hour": 10, "minute": 53}
